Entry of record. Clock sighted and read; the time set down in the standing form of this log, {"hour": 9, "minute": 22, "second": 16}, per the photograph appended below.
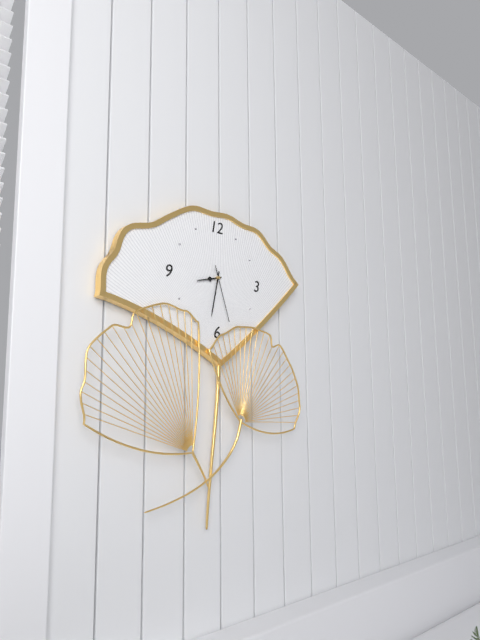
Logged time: {"hour": 8, "minute": 32, "second": 27}
